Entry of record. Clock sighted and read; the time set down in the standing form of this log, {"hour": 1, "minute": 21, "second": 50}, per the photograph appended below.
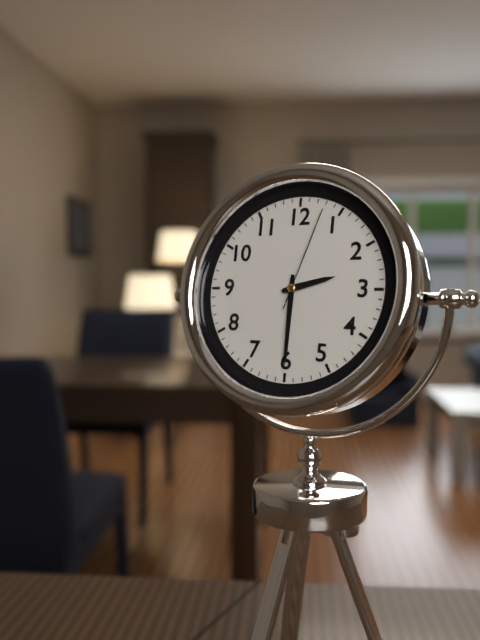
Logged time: {"hour": 2, "minute": 30, "second": 3}
